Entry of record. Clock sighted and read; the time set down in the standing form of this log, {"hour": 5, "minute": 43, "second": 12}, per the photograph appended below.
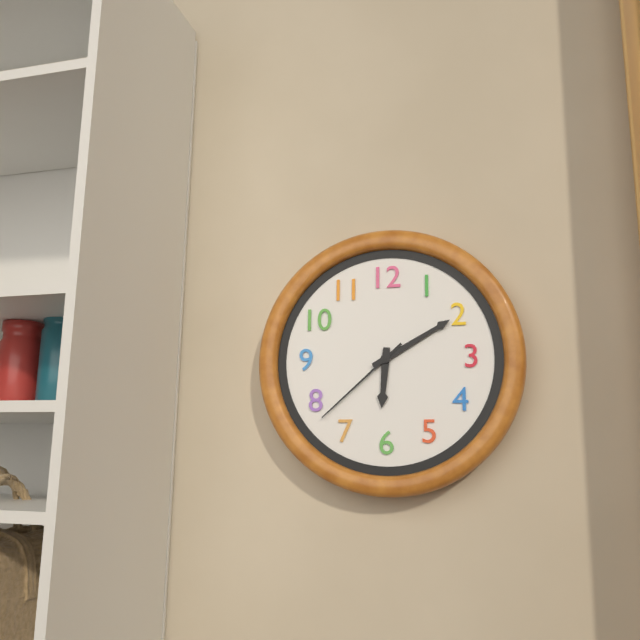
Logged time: {"hour": 6, "minute": 10, "second": 38}
